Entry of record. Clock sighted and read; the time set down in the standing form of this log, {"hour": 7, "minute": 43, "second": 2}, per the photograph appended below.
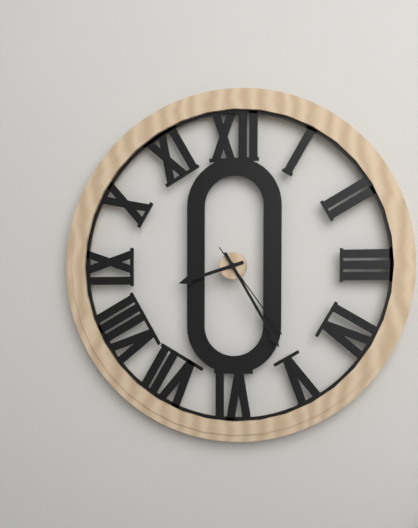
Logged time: {"hour": 8, "minute": 25, "second": 24}
